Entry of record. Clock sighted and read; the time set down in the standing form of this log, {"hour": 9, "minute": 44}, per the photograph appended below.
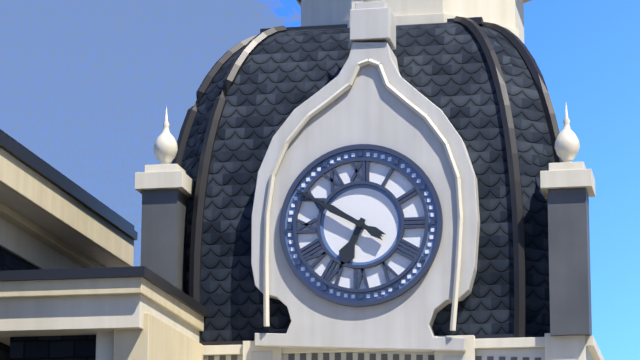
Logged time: {"hour": 6, "minute": 50}
